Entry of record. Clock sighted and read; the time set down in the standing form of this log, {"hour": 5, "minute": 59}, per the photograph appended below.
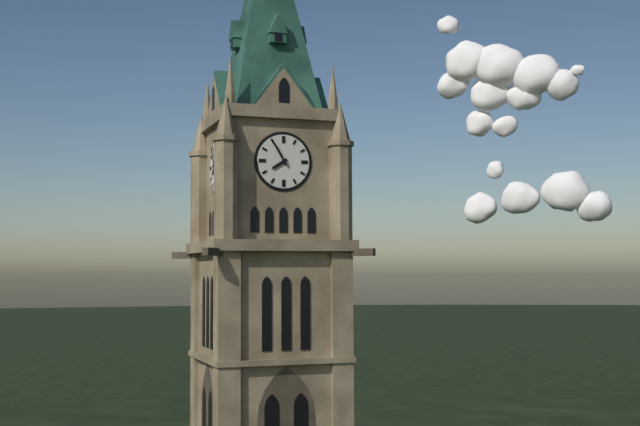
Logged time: {"hour": 7, "minute": 55}
